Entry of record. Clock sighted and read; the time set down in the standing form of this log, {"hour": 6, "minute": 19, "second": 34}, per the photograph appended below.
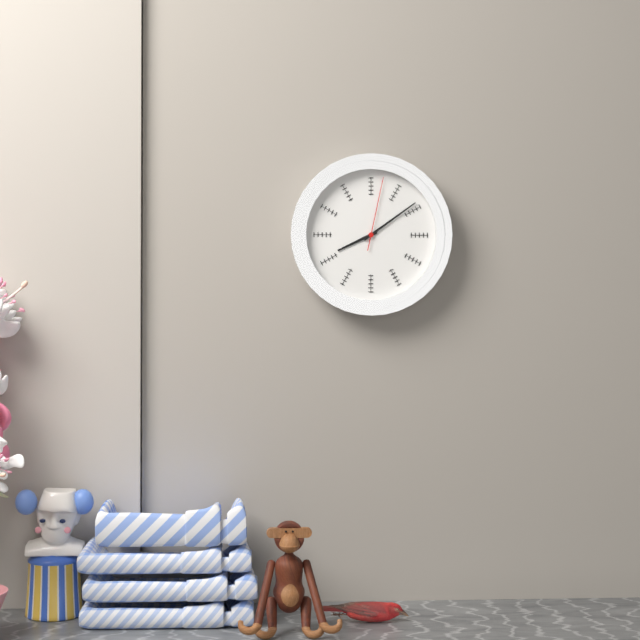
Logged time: {"hour": 8, "minute": 9, "second": 2}
